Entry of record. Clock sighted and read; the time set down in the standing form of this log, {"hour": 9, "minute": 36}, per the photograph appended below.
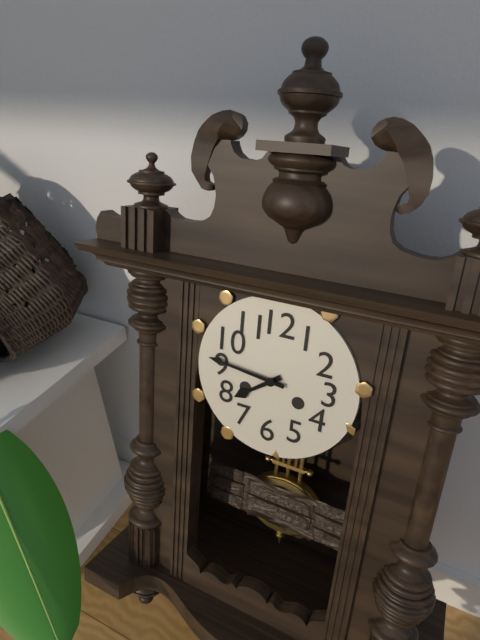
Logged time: {"hour": 7, "minute": 46}
